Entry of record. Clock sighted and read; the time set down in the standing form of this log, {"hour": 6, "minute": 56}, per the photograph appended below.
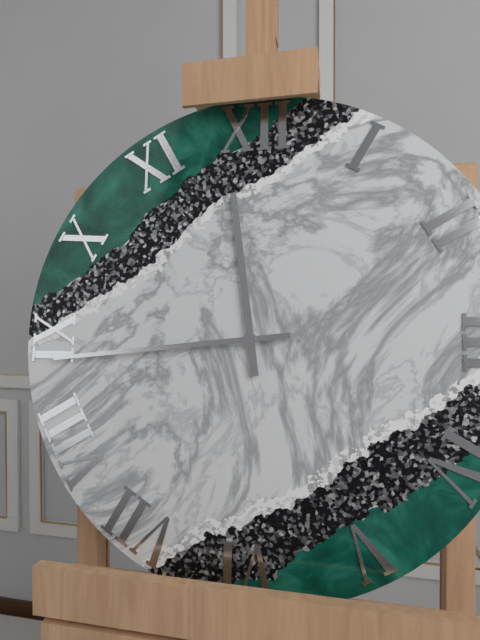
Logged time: {"hour": 11, "minute": 44}
